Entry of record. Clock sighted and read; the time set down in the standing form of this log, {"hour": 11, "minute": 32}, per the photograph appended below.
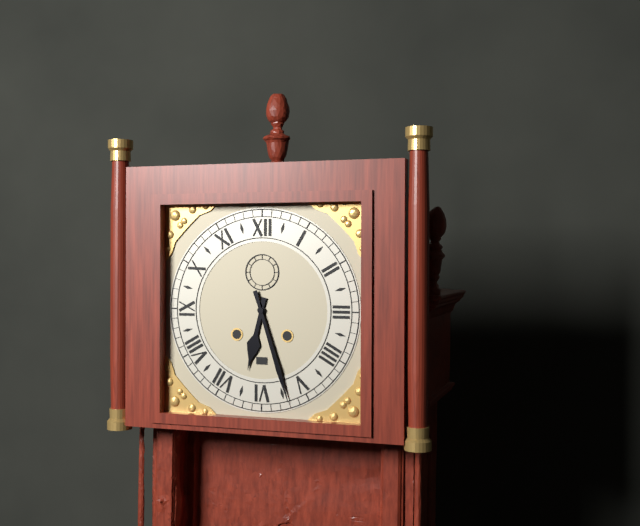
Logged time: {"hour": 6, "minute": 27}
